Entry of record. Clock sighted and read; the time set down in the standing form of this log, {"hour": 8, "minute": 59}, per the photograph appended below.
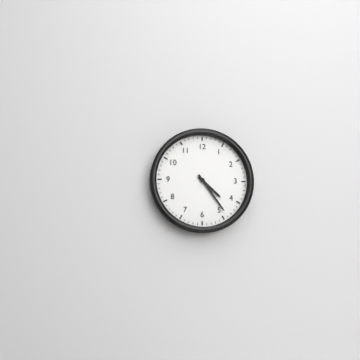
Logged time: {"hour": 4, "minute": 24}
